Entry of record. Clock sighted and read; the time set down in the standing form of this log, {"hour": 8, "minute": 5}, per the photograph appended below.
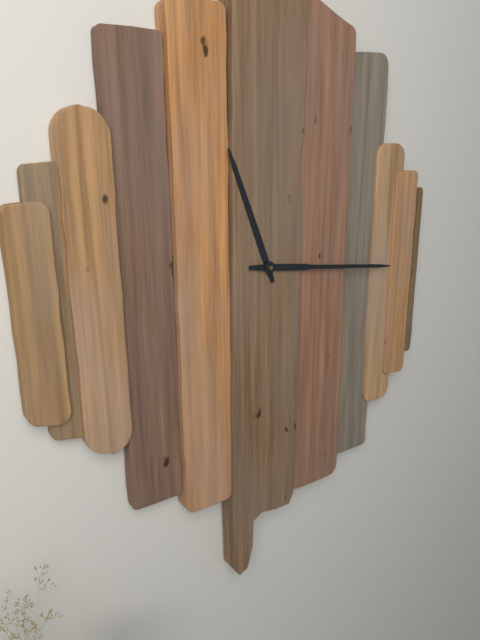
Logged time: {"hour": 11, "minute": 16}
